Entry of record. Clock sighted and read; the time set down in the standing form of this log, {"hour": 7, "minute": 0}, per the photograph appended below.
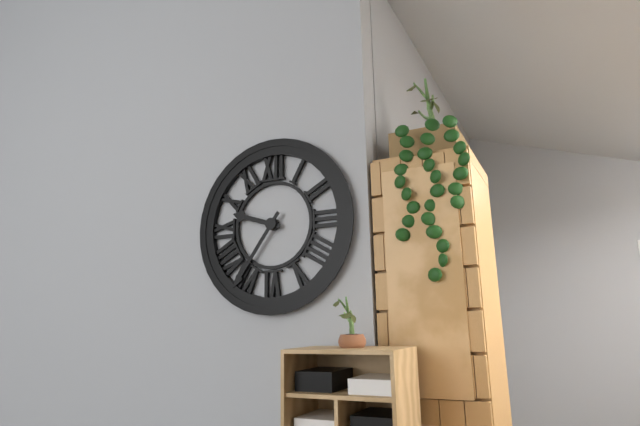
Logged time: {"hour": 9, "minute": 36}
